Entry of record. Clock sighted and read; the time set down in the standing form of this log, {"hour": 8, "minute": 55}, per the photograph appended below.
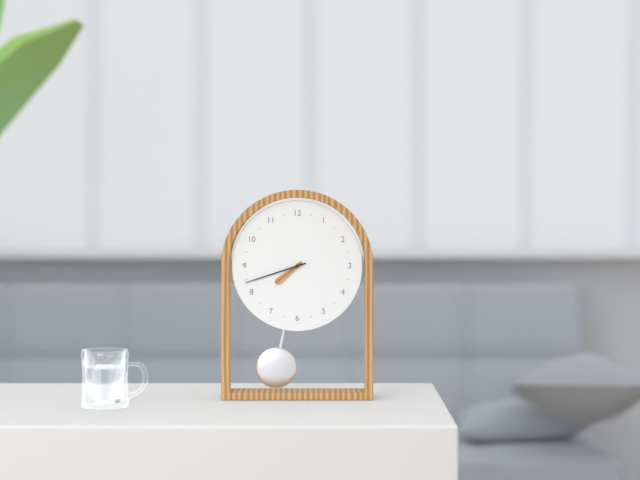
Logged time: {"hour": 7, "minute": 42}
